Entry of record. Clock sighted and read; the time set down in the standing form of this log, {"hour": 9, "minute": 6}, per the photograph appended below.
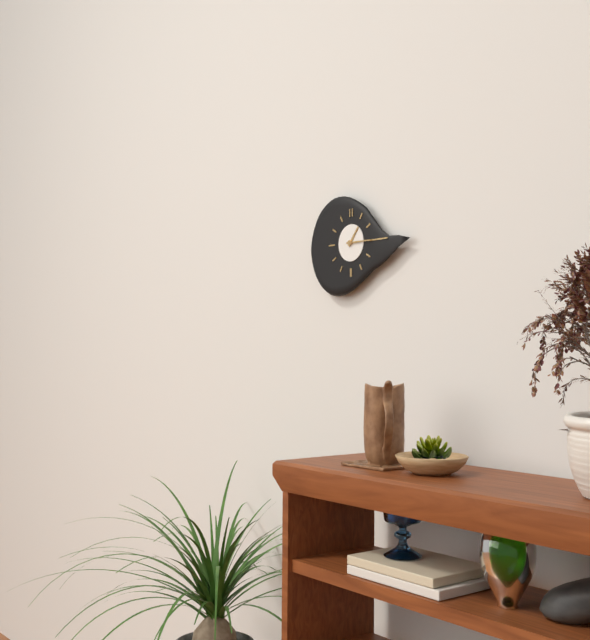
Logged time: {"hour": 1, "minute": 15}
